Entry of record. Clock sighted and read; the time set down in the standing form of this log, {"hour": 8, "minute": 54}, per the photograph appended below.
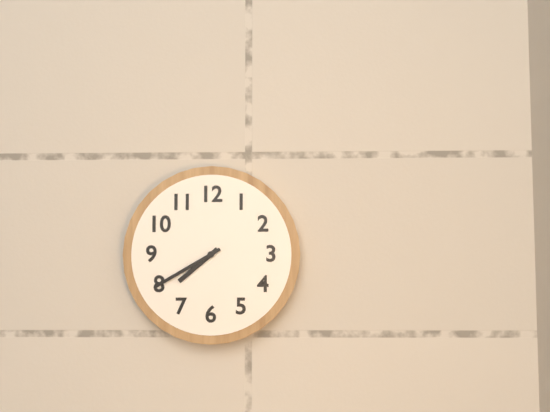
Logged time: {"hour": 7, "minute": 40}
